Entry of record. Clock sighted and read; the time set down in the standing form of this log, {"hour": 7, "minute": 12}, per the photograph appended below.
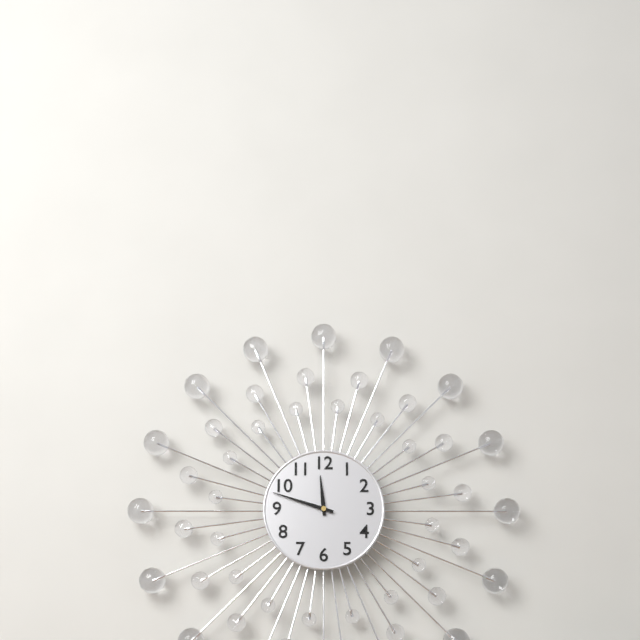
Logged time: {"hour": 11, "minute": 48}
